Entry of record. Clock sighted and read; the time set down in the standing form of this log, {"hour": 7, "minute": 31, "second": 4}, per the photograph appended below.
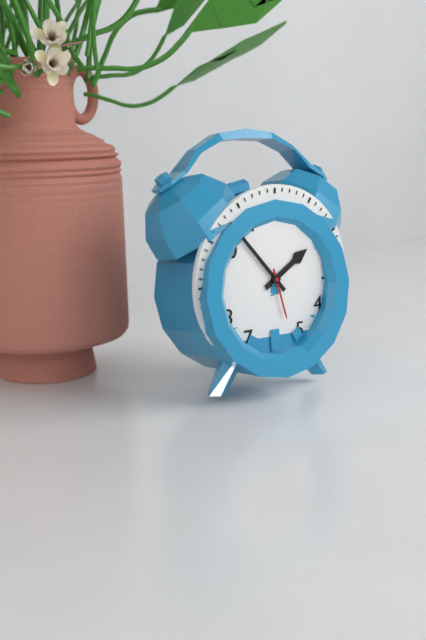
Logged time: {"hour": 1, "minute": 53, "second": 27}
